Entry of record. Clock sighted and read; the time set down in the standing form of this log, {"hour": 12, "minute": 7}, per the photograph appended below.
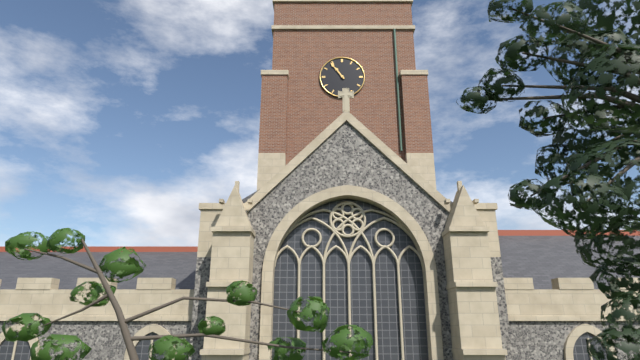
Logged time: {"hour": 10, "minute": 54}
